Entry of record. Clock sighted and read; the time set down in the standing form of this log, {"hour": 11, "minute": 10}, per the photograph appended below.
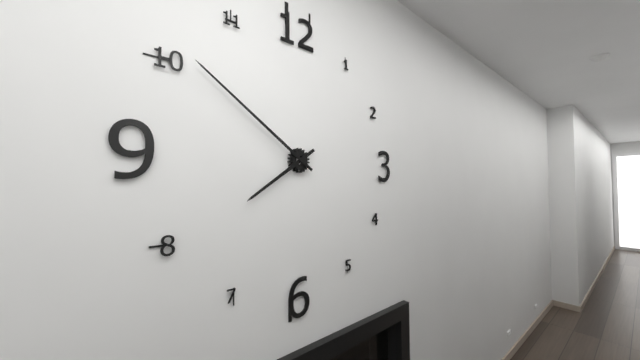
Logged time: {"hour": 7, "minute": 51}
